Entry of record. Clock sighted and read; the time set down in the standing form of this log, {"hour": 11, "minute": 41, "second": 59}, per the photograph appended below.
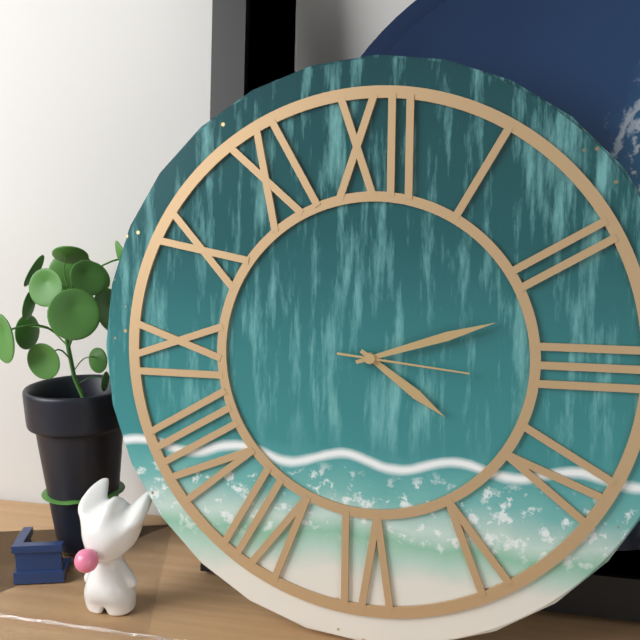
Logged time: {"hour": 4, "minute": 12, "second": 16}
